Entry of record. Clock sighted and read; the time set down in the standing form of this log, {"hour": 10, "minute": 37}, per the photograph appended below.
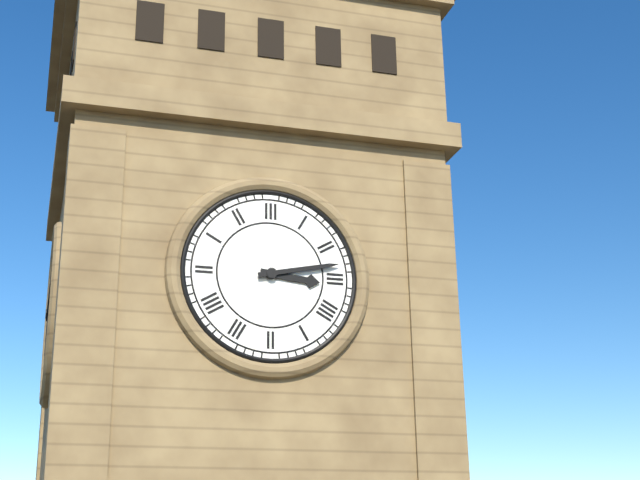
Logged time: {"hour": 3, "minute": 13}
